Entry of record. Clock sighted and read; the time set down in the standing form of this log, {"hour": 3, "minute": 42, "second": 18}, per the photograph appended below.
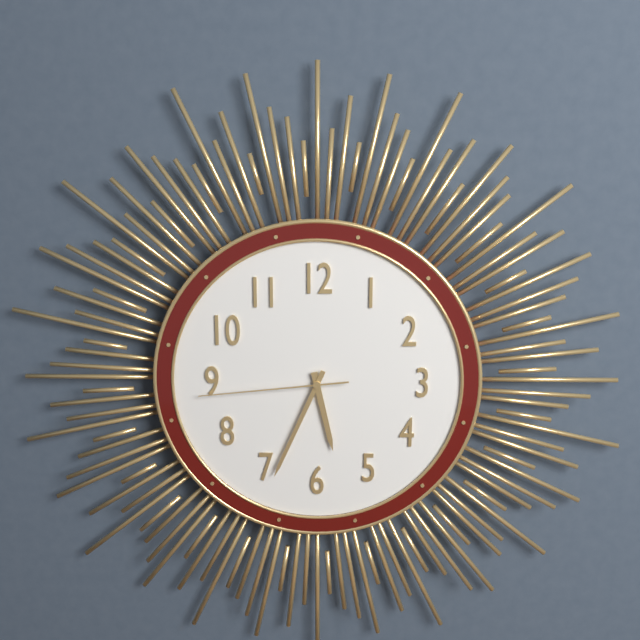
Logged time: {"hour": 5, "minute": 34, "second": 44}
